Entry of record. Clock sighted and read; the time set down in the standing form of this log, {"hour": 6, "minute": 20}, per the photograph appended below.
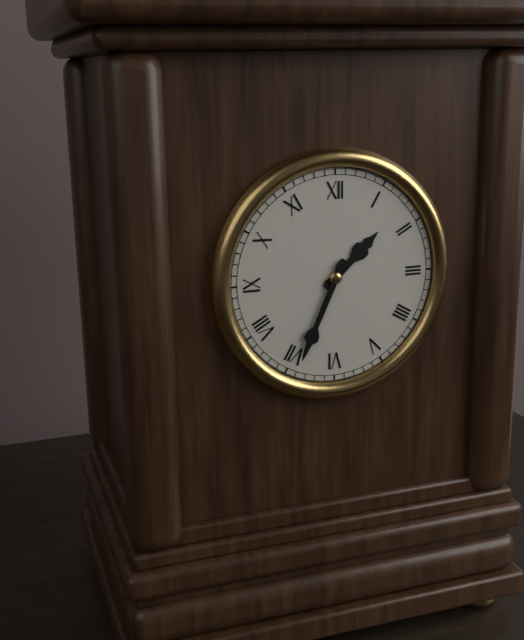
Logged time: {"hour": 1, "minute": 34}
